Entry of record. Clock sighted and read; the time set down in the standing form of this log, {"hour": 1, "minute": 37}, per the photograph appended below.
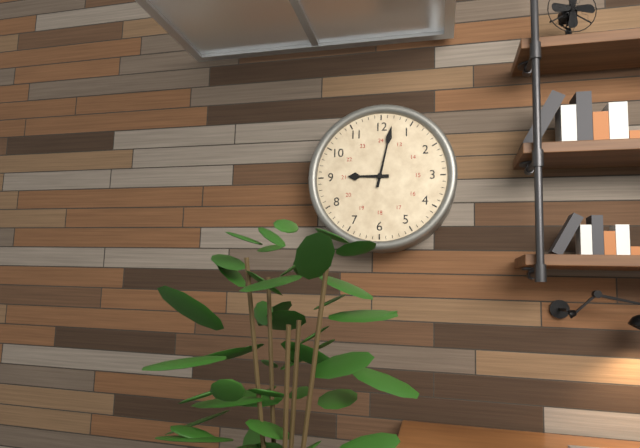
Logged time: {"hour": 9, "minute": 2}
